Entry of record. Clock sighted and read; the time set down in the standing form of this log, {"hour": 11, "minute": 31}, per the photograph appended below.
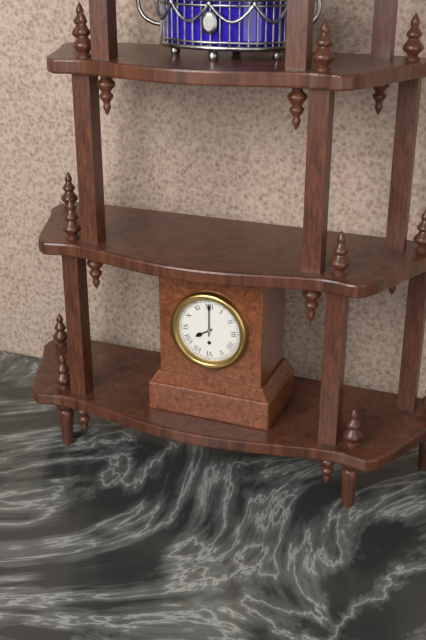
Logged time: {"hour": 8, "minute": 0}
